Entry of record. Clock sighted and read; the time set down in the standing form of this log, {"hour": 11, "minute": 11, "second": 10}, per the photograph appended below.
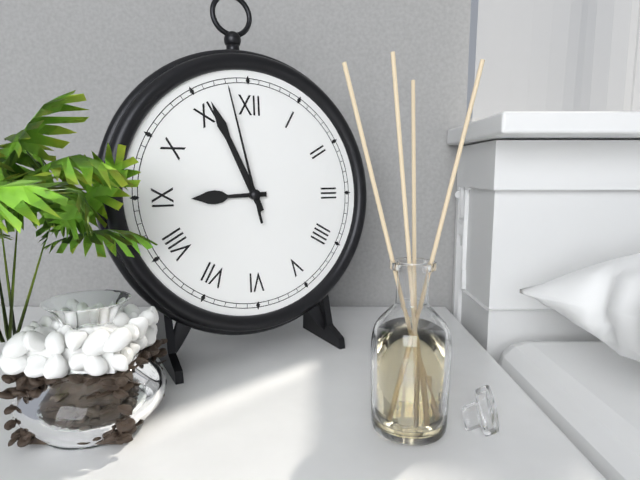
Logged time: {"hour": 8, "minute": 56, "second": 58}
